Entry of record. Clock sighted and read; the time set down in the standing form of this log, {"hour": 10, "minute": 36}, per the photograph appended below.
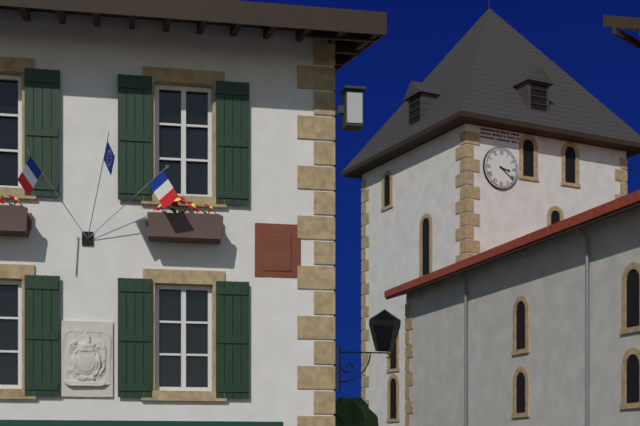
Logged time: {"hour": 3, "minute": 21}
